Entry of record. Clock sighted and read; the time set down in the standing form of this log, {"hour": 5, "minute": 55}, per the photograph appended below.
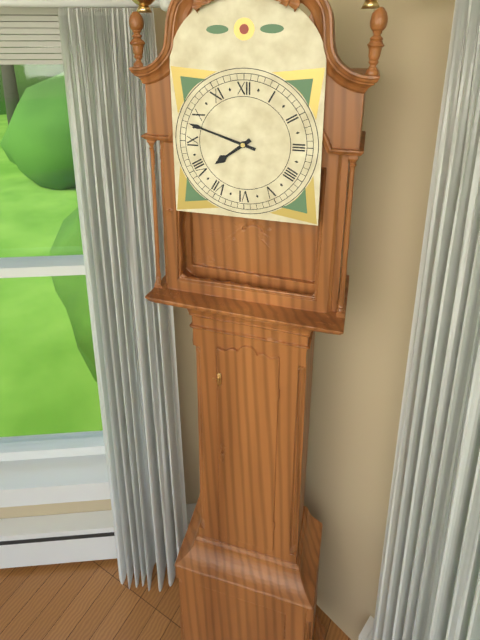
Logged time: {"hour": 7, "minute": 48}
